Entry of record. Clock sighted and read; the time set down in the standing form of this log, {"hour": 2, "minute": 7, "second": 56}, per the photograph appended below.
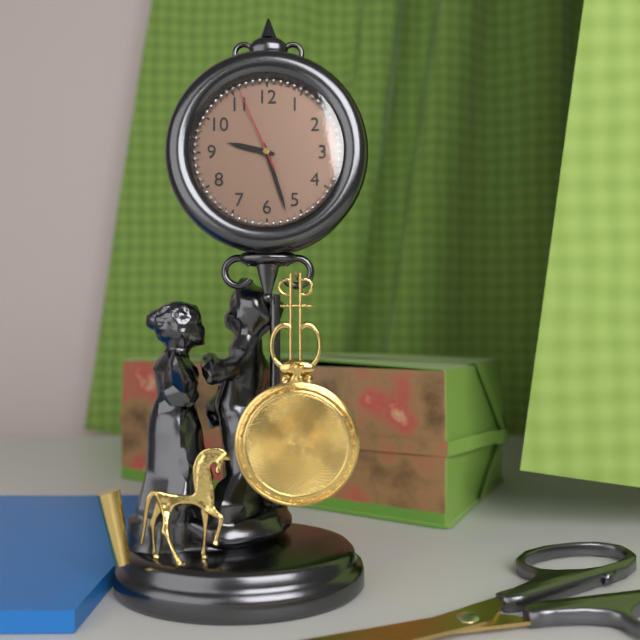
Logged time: {"hour": 9, "minute": 27, "second": 56}
